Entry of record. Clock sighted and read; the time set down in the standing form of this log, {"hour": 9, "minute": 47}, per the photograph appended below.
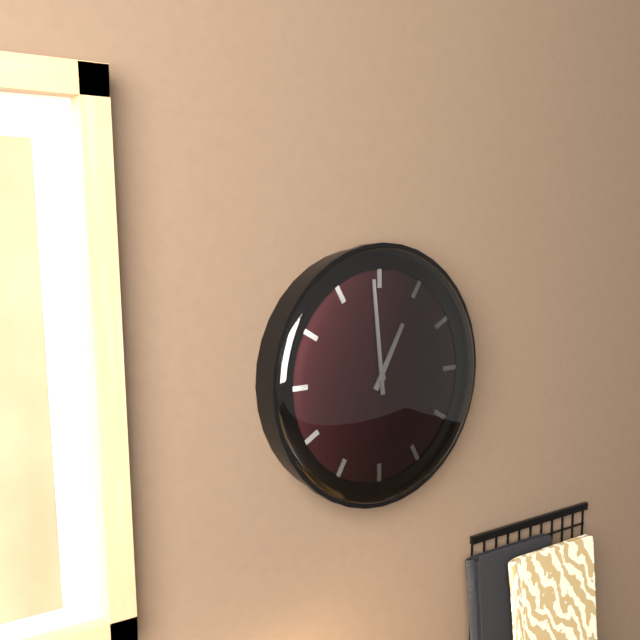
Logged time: {"hour": 12, "minute": 59}
